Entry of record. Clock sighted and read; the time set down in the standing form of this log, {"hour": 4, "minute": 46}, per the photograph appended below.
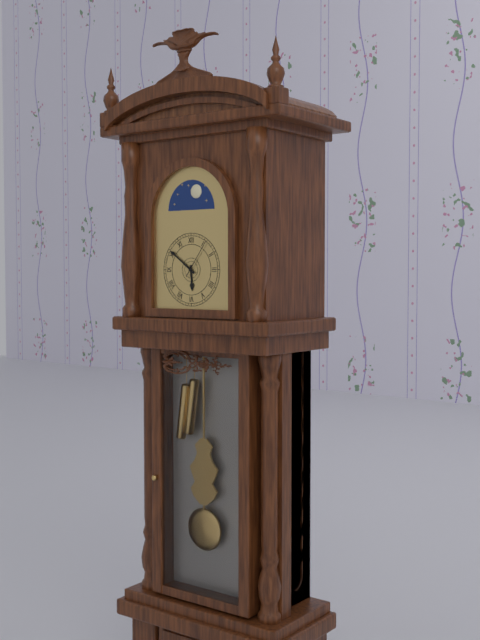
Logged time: {"hour": 5, "minute": 51}
